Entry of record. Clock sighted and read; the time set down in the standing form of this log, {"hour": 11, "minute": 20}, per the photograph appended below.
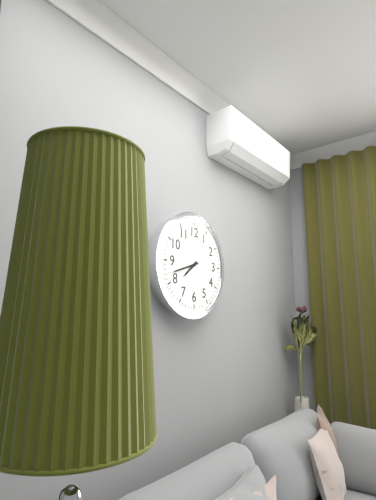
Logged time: {"hour": 7, "minute": 42}
